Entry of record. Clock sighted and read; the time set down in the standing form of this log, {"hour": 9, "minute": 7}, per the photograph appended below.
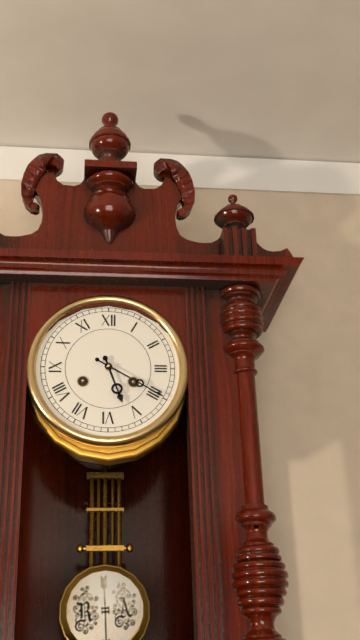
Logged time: {"hour": 5, "minute": 20}
